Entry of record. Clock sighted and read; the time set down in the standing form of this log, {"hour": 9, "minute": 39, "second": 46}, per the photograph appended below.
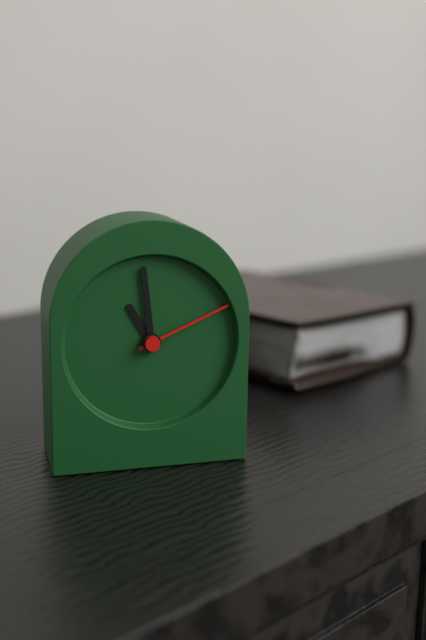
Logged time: {"hour": 10, "minute": 59, "second": 11}
